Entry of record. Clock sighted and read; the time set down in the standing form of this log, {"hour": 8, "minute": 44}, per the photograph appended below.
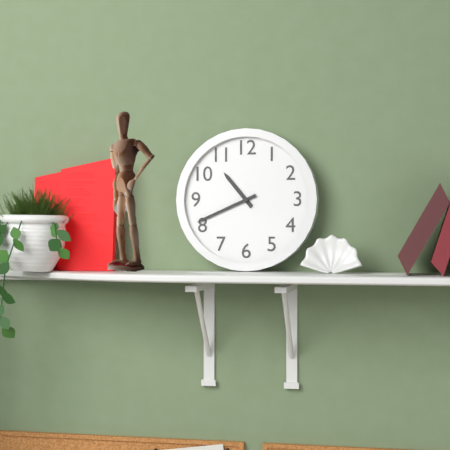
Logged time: {"hour": 10, "minute": 41}
